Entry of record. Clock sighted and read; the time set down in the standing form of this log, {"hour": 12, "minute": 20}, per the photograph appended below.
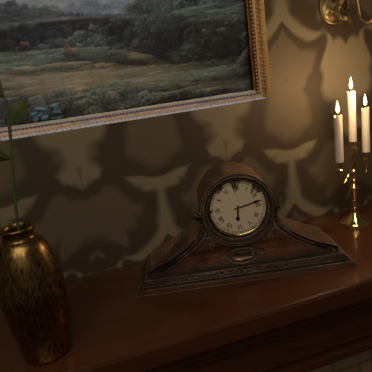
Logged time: {"hour": 6, "minute": 13}
